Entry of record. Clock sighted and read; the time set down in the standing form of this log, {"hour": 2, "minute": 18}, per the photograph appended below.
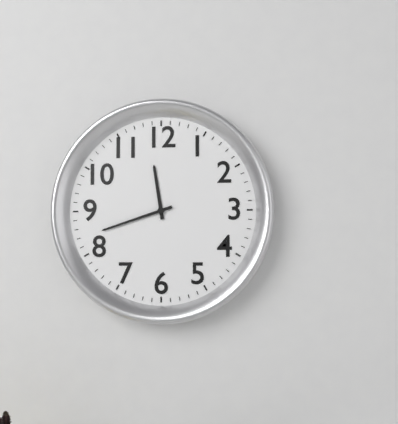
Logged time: {"hour": 11, "minute": 42}
